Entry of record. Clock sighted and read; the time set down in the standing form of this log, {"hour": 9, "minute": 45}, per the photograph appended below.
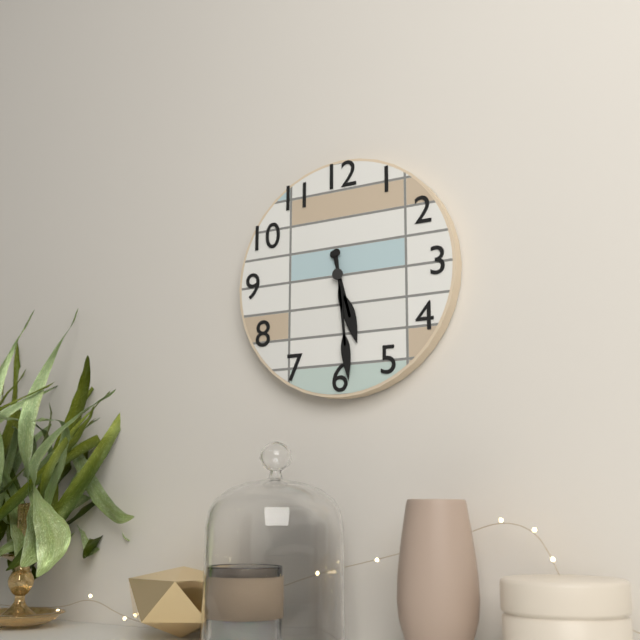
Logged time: {"hour": 5, "minute": 29}
